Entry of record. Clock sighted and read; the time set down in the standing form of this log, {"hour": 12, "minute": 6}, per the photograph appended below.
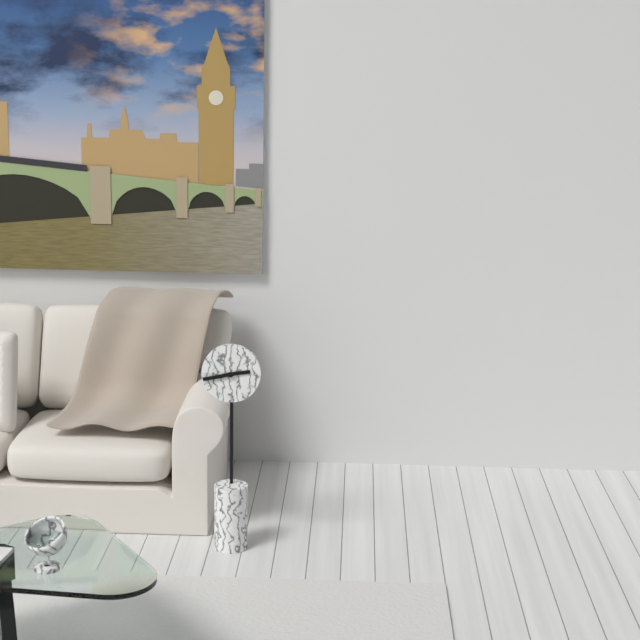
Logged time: {"hour": 2, "minute": 43}
